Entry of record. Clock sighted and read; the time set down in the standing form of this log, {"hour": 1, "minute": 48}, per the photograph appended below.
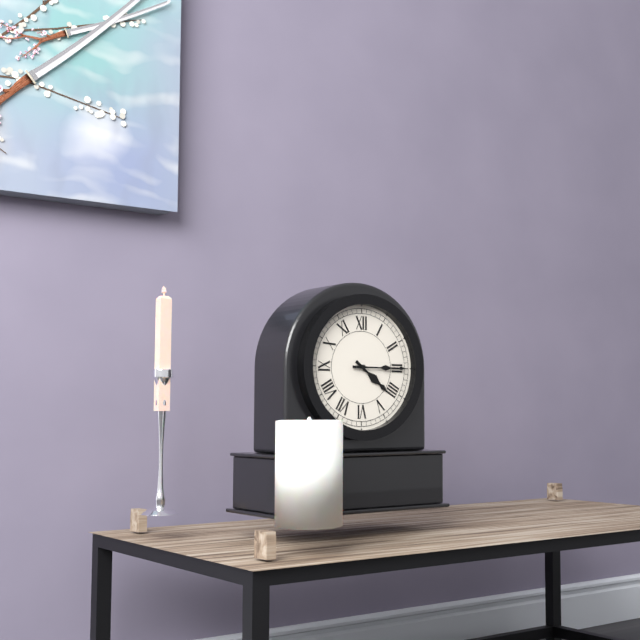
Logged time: {"hour": 4, "minute": 15}
